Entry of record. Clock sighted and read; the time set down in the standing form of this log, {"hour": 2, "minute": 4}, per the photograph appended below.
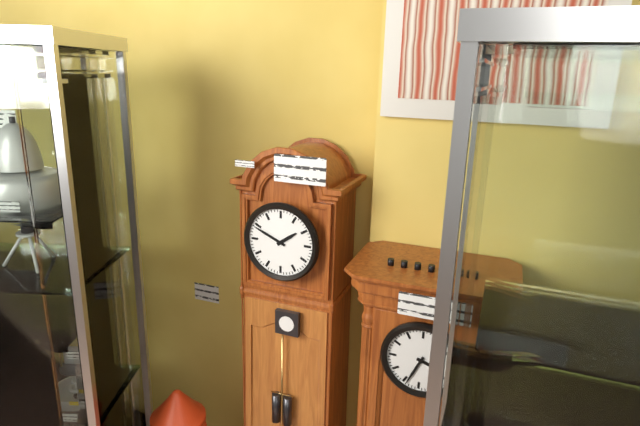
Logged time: {"hour": 1, "minute": 49}
